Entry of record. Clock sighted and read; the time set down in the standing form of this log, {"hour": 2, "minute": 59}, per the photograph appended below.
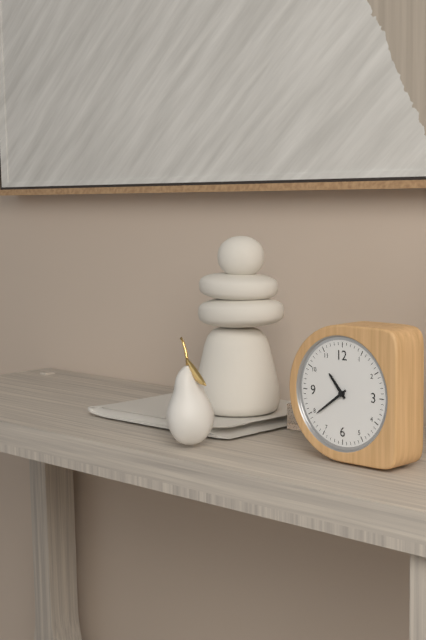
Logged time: {"hour": 10, "minute": 39}
